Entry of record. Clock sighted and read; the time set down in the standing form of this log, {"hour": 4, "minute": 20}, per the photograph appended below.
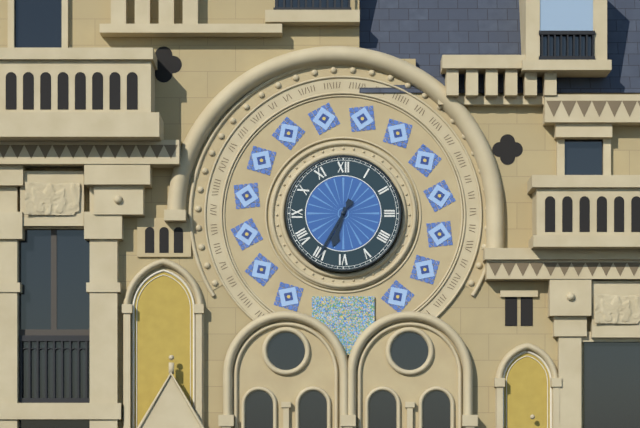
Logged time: {"hour": 6, "minute": 35}
